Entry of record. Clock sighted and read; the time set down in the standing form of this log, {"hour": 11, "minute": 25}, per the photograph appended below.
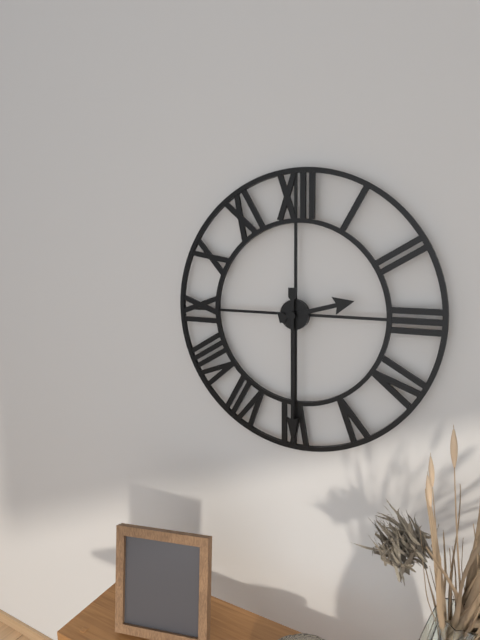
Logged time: {"hour": 2, "minute": 30}
